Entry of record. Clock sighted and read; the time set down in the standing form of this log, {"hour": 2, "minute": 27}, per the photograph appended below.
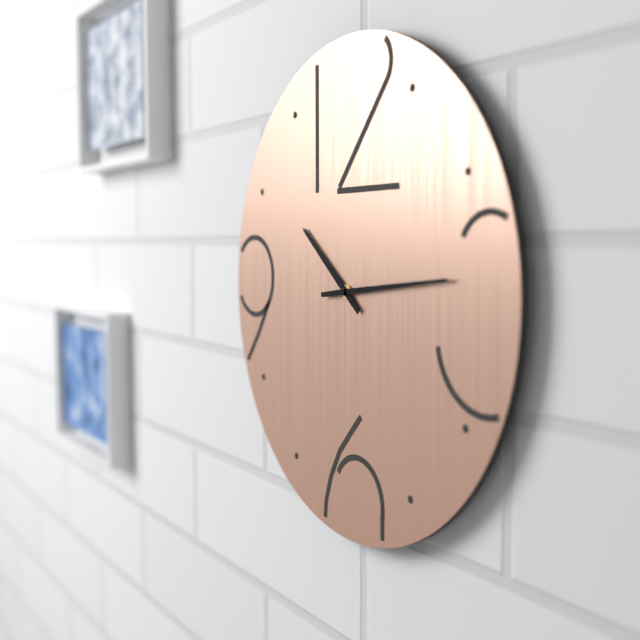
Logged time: {"hour": 10, "minute": 14}
